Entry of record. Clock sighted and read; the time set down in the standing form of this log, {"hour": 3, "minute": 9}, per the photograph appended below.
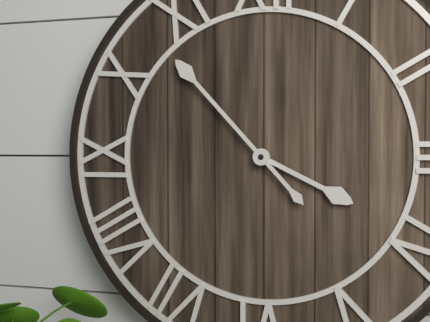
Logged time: {"hour": 3, "minute": 53}
